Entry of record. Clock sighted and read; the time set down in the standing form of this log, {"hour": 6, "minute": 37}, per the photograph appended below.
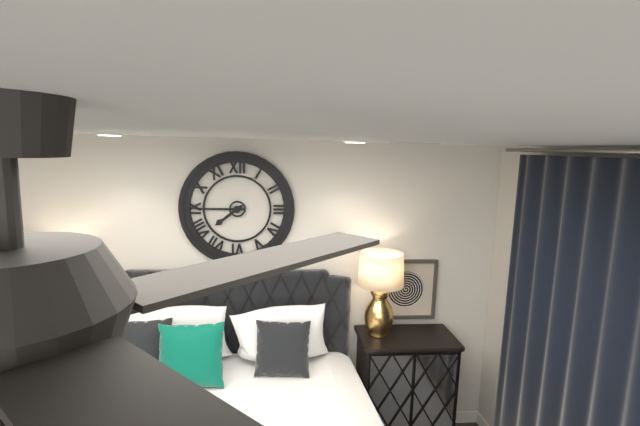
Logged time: {"hour": 7, "minute": 45}
